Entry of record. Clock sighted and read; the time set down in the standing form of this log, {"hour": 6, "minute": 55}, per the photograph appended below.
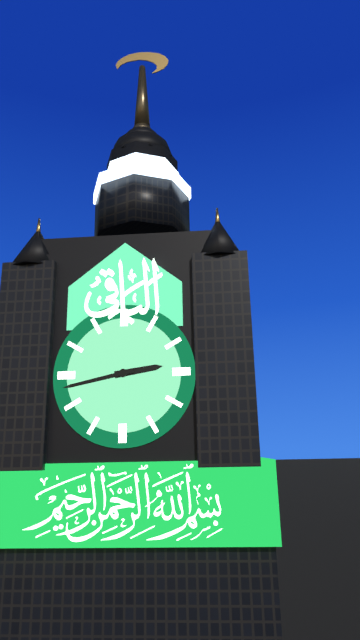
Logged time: {"hour": 2, "minute": 43}
